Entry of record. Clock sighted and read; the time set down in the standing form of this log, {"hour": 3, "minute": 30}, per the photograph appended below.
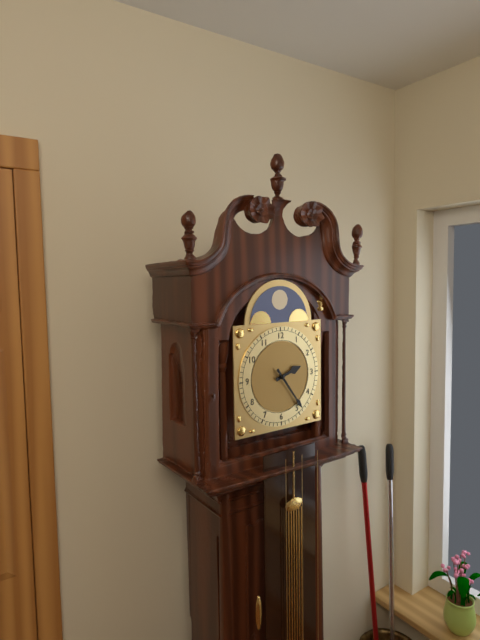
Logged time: {"hour": 2, "minute": 24}
